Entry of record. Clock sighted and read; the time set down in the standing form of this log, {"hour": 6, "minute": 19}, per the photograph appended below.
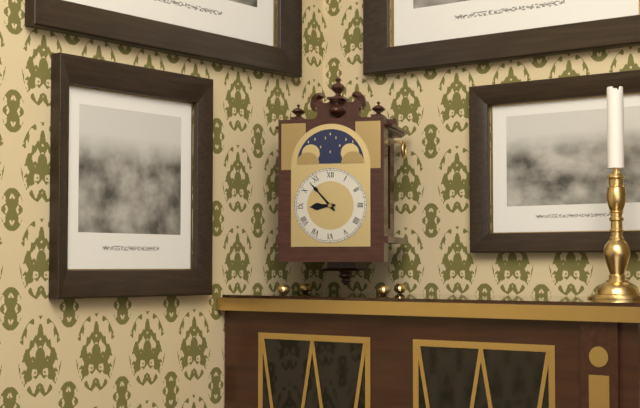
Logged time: {"hour": 8, "minute": 53}
